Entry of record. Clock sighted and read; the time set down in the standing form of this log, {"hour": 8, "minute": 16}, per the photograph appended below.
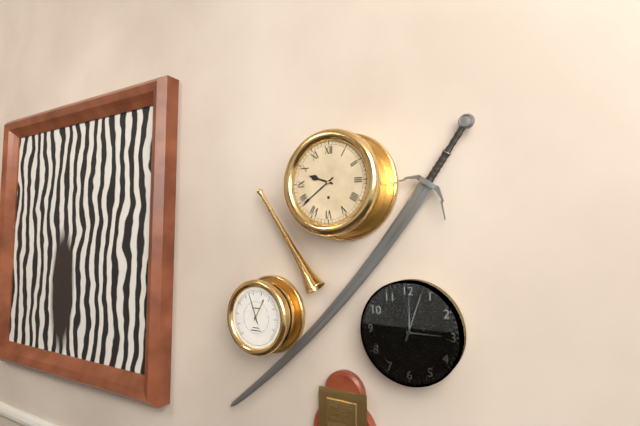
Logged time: {"hour": 9, "minute": 39}
